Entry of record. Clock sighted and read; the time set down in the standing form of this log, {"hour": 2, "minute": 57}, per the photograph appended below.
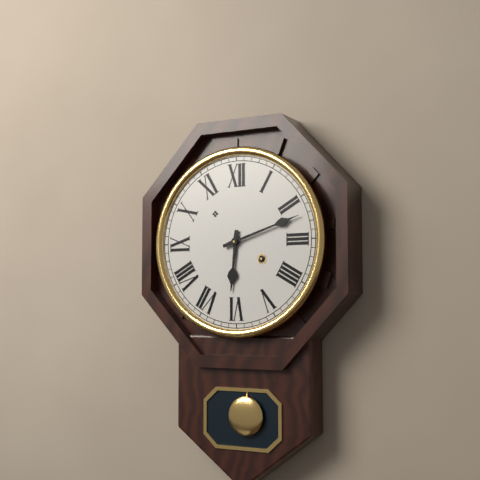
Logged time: {"hour": 6, "minute": 12}
